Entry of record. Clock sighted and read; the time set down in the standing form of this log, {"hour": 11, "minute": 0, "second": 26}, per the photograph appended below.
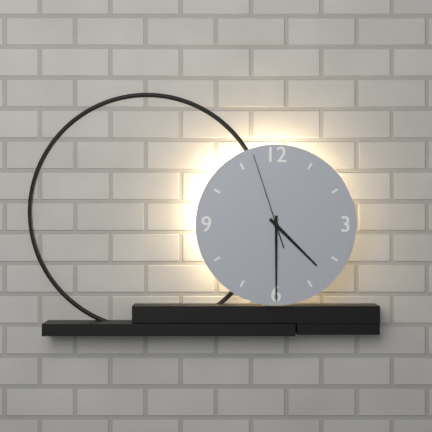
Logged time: {"hour": 4, "minute": 30, "second": 57}
